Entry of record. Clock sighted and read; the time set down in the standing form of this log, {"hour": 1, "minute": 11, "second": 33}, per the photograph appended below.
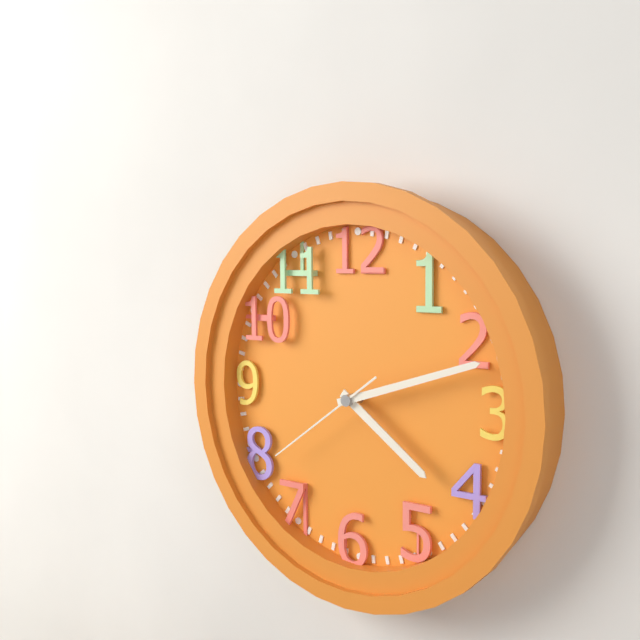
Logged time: {"hour": 4, "minute": 12, "second": 39}
